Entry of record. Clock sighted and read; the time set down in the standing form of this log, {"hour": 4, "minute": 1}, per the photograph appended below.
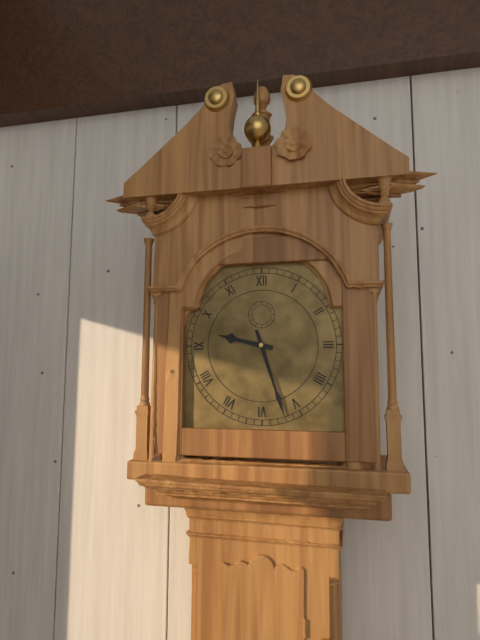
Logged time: {"hour": 9, "minute": 27}
